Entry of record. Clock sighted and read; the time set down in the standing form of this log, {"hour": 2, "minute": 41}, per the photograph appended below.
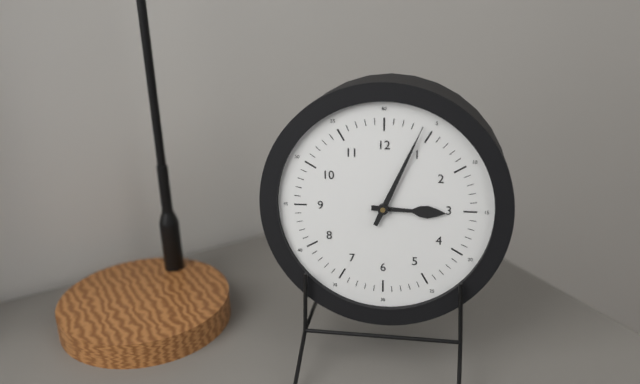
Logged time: {"hour": 3, "minute": 4}
